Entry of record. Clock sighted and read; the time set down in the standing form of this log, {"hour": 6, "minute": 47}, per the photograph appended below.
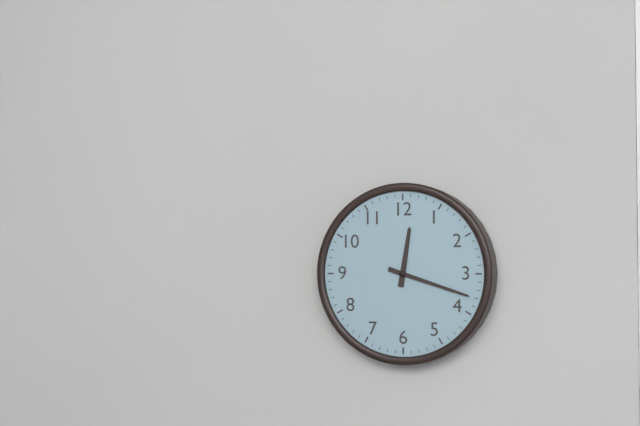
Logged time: {"hour": 12, "minute": 18}
